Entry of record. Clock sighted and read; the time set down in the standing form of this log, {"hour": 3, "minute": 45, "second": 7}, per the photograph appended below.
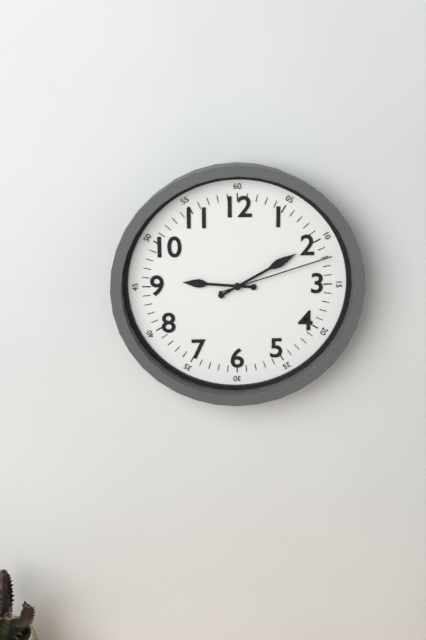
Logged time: {"hour": 9, "minute": 10, "second": 12}
